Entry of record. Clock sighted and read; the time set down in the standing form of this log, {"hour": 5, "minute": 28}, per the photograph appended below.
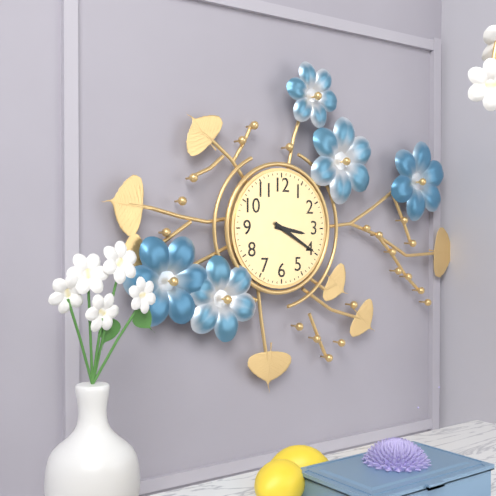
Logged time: {"hour": 3, "minute": 20}
